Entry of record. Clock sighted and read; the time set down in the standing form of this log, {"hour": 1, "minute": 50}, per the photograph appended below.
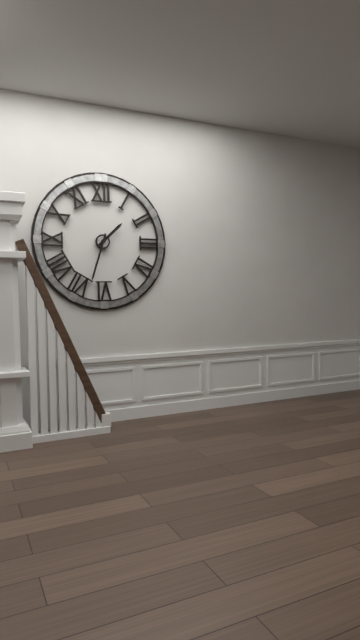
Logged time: {"hour": 1, "minute": 33}
